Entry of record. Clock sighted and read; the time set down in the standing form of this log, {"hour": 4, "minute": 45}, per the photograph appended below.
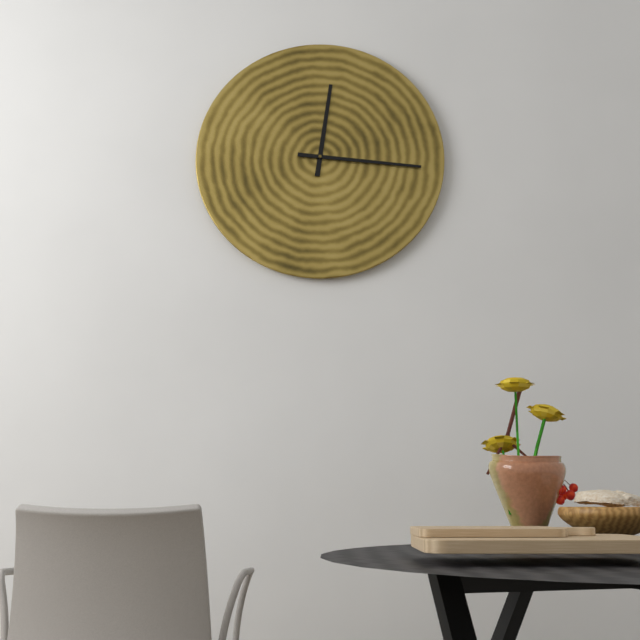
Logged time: {"hour": 12, "minute": 16}
